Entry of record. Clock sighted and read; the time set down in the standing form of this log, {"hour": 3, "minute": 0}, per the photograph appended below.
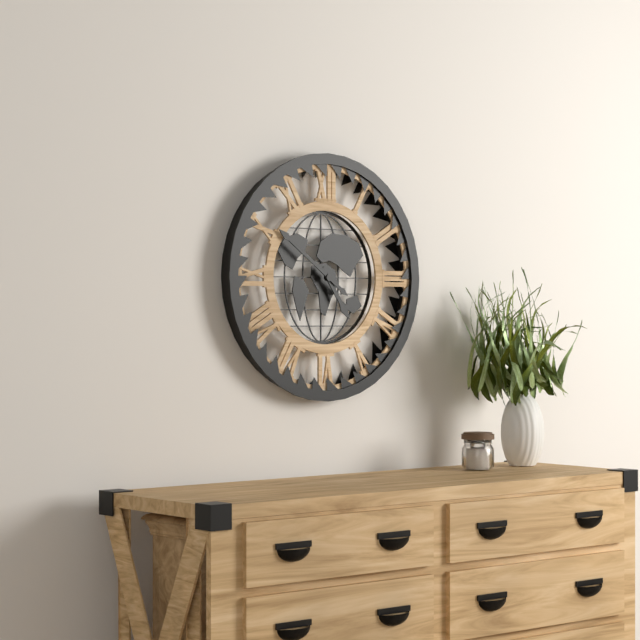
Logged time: {"hour": 4, "minute": 51}
